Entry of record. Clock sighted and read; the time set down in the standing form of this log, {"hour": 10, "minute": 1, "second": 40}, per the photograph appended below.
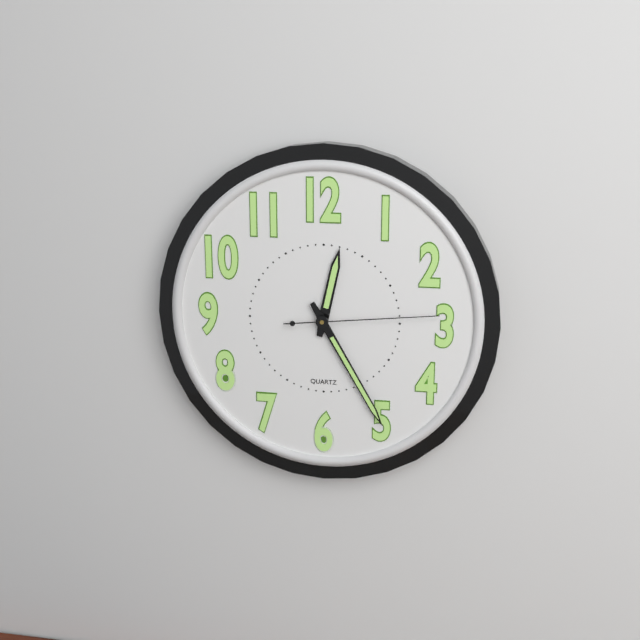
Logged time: {"hour": 12, "minute": 25, "second": 14}
